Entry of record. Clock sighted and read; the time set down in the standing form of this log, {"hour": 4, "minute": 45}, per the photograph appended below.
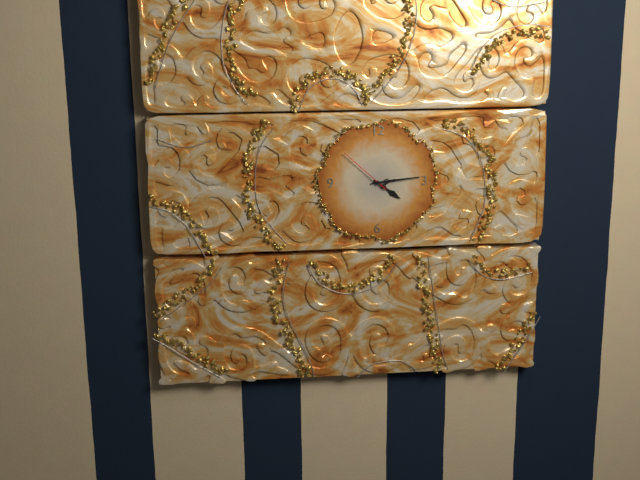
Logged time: {"hour": 4, "minute": 14}
